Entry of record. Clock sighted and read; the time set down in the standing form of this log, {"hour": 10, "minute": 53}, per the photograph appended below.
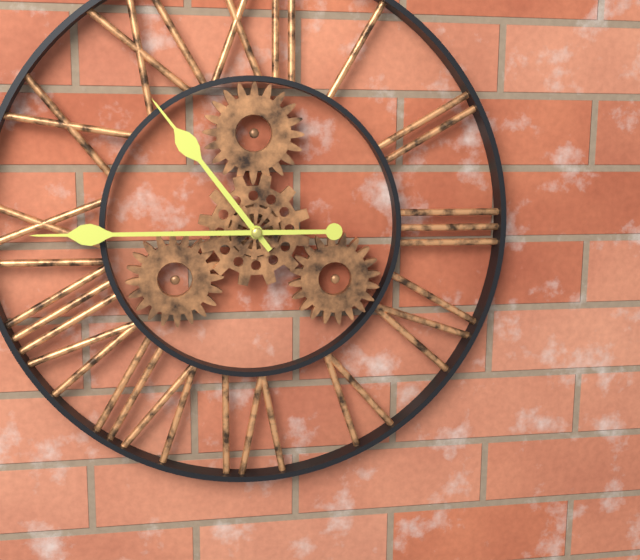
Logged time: {"hour": 10, "minute": 45}
